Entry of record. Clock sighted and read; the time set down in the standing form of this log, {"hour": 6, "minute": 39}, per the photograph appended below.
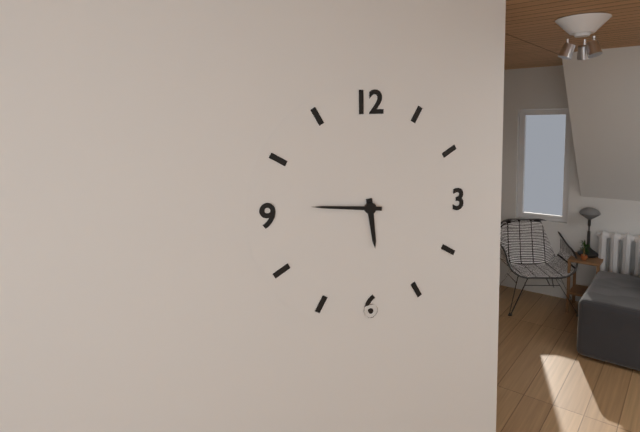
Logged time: {"hour": 5, "minute": 46}
